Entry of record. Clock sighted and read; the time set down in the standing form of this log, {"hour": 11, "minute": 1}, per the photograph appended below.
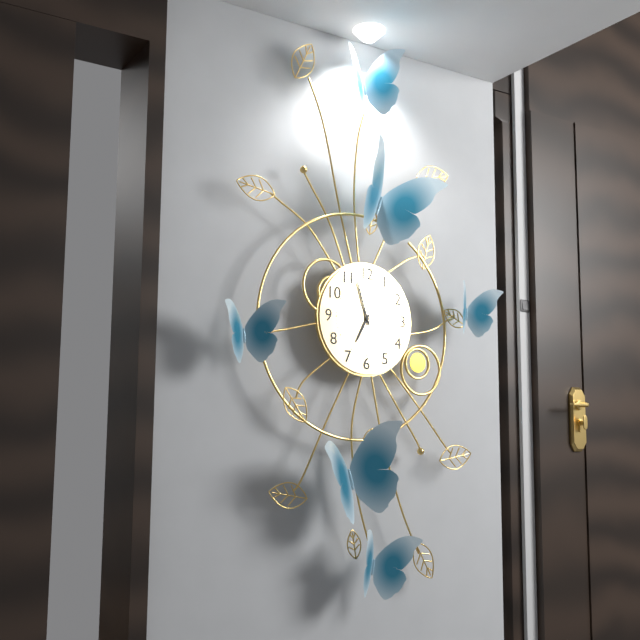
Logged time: {"hour": 6, "minute": 57}
